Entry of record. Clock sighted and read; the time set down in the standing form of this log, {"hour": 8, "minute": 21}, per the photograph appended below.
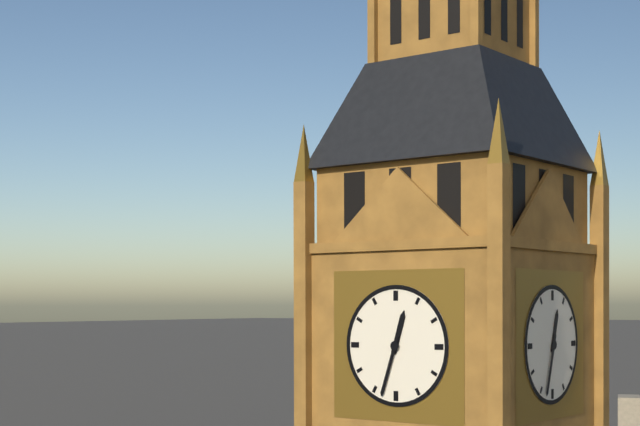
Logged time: {"hour": 12, "minute": 33}
